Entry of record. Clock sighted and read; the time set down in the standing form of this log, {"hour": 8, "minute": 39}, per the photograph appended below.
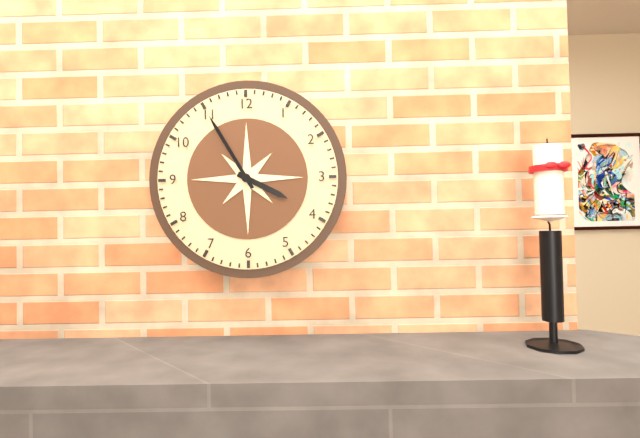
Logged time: {"hour": 3, "minute": 55}
